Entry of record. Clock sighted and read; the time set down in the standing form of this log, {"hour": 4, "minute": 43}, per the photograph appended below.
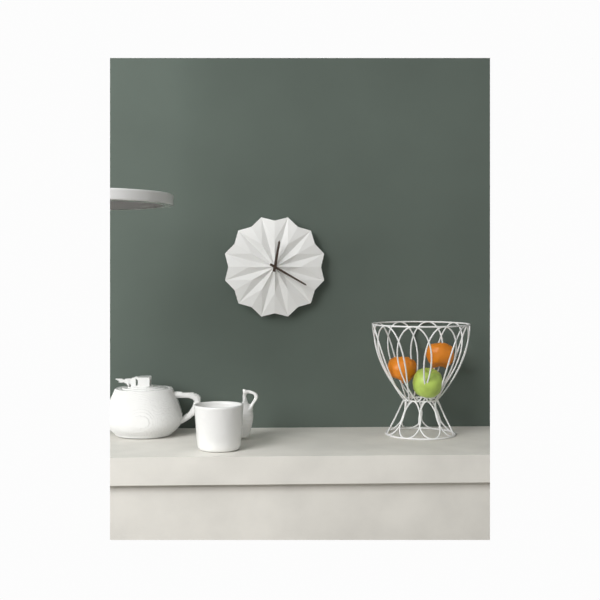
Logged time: {"hour": 12, "minute": 20}
